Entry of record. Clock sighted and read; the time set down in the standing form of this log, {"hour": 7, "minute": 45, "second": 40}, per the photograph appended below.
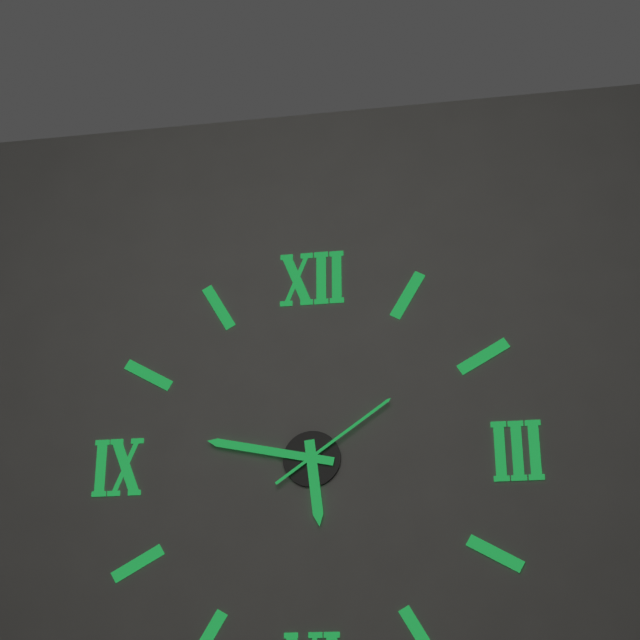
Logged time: {"hour": 5, "minute": 47, "second": 9}
